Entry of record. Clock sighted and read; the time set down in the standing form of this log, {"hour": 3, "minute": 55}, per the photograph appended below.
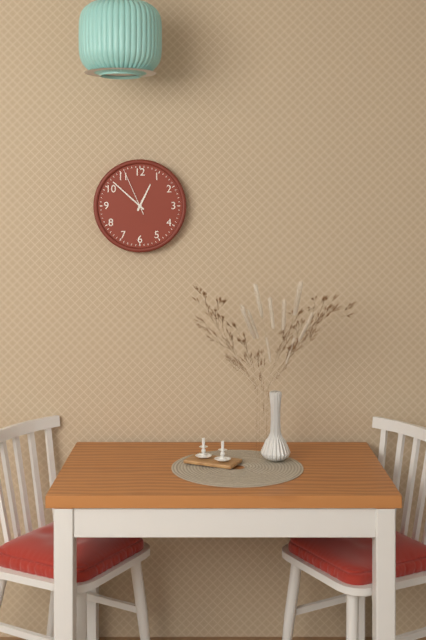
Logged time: {"hour": 12, "minute": 52}
